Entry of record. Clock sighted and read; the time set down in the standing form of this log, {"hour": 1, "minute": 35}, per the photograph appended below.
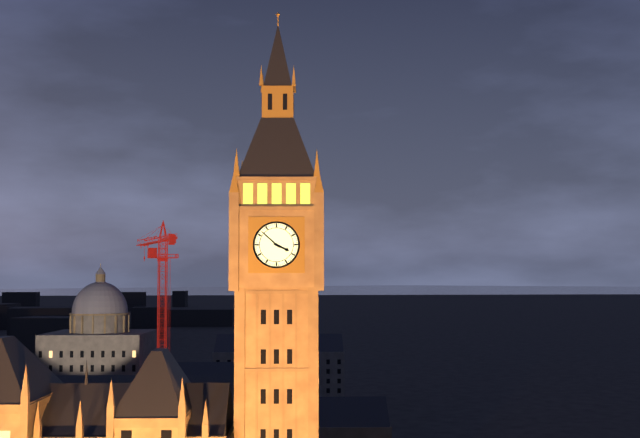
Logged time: {"hour": 3, "minute": 52}
